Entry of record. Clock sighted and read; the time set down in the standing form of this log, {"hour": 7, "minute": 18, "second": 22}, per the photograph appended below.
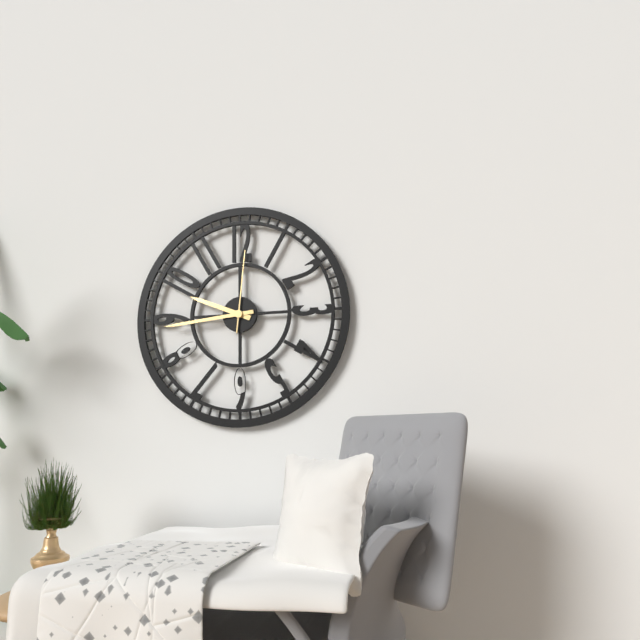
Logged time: {"hour": 9, "minute": 44, "second": 1}
